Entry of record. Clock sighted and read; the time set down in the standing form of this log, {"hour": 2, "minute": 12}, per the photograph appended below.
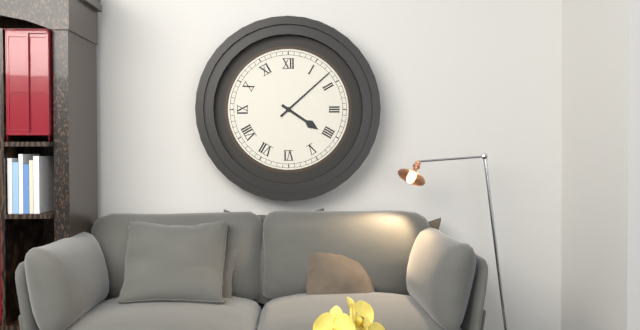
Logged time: {"hour": 4, "minute": 8}
